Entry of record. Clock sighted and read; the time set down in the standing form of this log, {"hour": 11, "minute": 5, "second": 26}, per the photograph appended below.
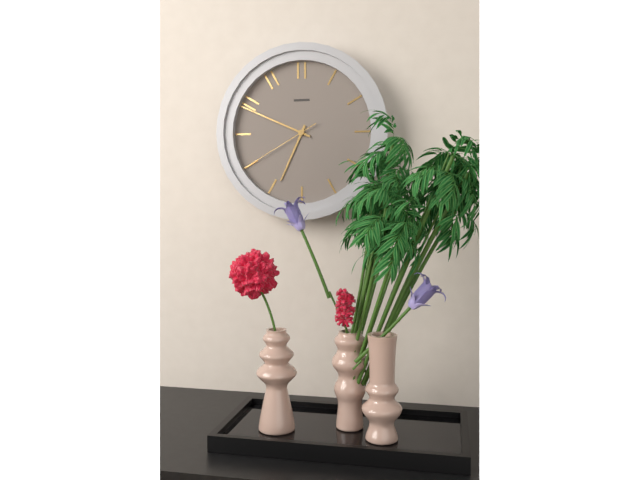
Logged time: {"hour": 6, "minute": 49, "second": 40}
